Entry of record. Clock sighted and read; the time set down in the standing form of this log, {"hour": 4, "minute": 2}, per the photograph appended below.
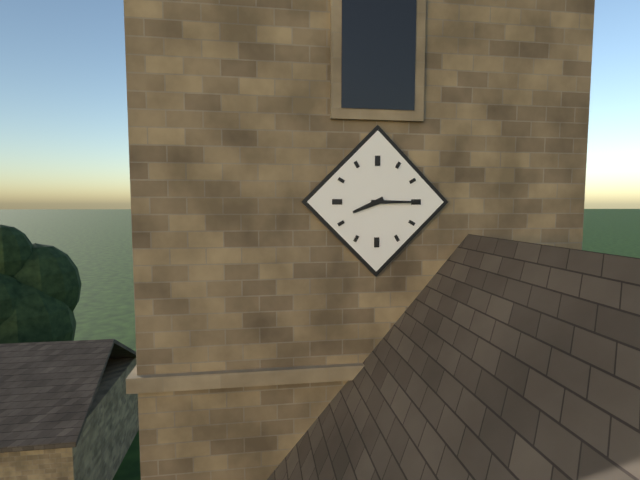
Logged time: {"hour": 8, "minute": 15}
